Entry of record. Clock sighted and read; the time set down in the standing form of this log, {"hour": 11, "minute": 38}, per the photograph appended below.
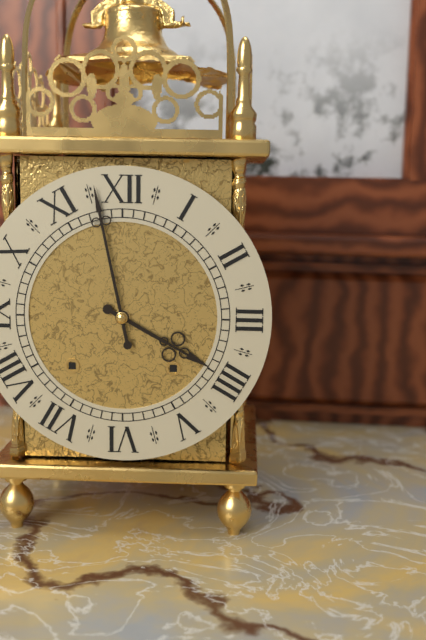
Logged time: {"hour": 3, "minute": 58}
